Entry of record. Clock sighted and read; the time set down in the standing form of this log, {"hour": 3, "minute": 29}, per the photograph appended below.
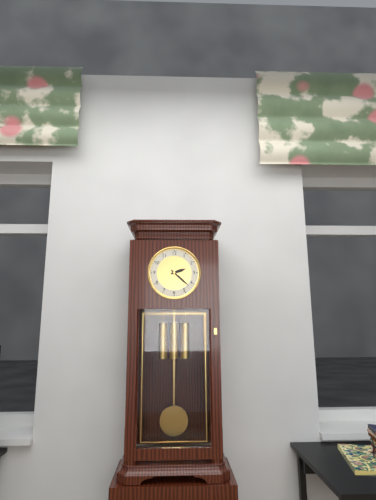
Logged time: {"hour": 2, "minute": 22}
